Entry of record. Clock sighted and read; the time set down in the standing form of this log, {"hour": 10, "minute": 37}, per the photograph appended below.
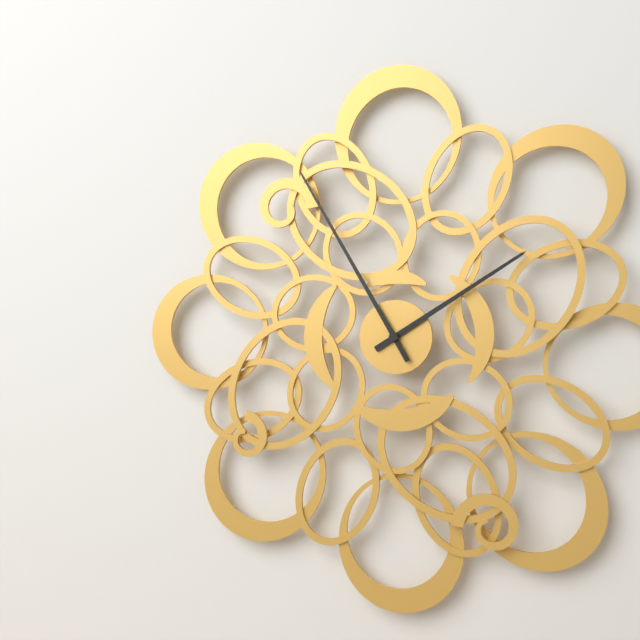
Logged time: {"hour": 1, "minute": 55}
